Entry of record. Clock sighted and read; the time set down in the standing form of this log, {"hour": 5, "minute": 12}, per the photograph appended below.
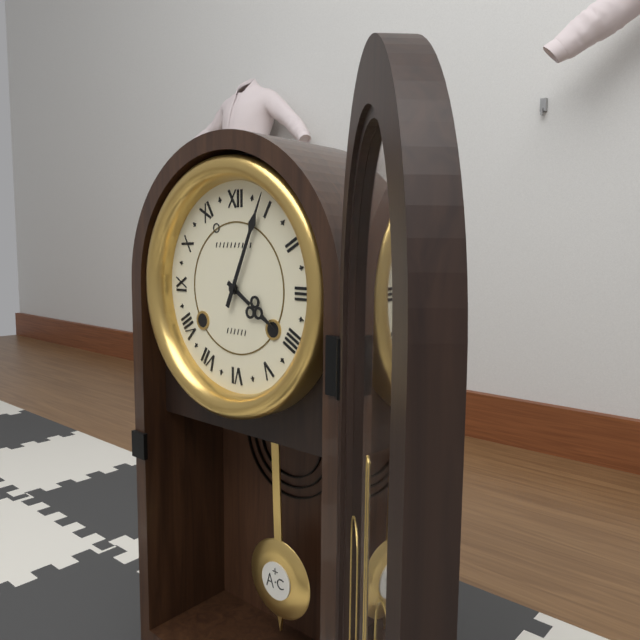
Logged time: {"hour": 4, "minute": 4}
